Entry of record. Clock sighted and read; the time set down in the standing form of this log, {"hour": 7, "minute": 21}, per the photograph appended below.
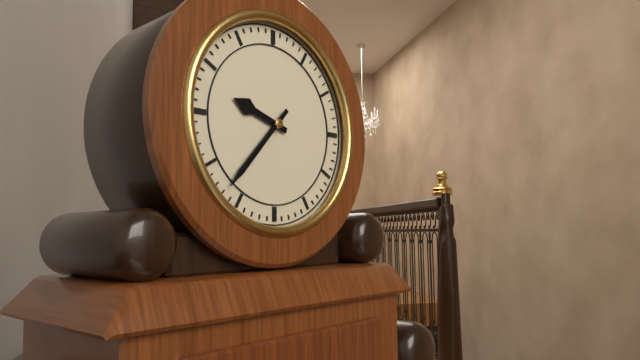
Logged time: {"hour": 9, "minute": 37}
